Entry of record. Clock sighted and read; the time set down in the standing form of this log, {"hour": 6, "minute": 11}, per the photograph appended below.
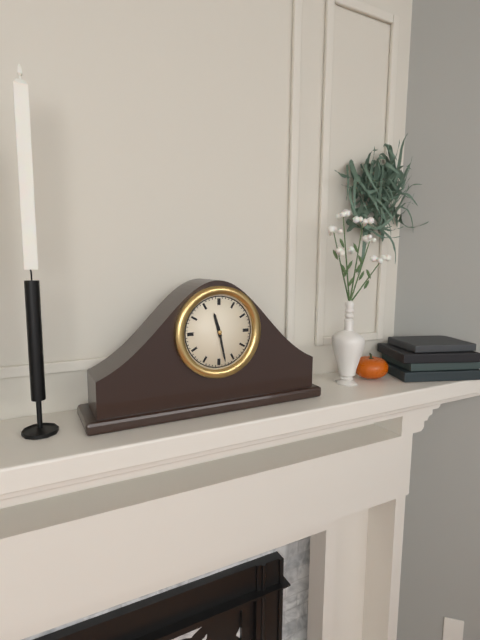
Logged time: {"hour": 11, "minute": 28}
